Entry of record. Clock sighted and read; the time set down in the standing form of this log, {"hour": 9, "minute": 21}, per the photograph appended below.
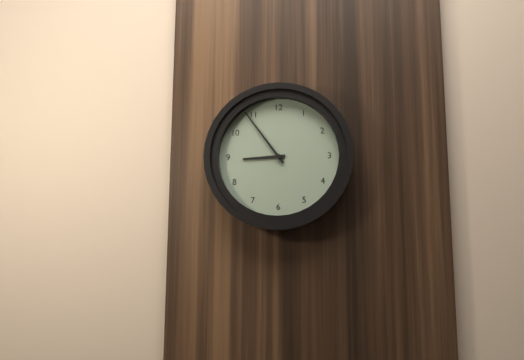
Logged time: {"hour": 8, "minute": 54}
